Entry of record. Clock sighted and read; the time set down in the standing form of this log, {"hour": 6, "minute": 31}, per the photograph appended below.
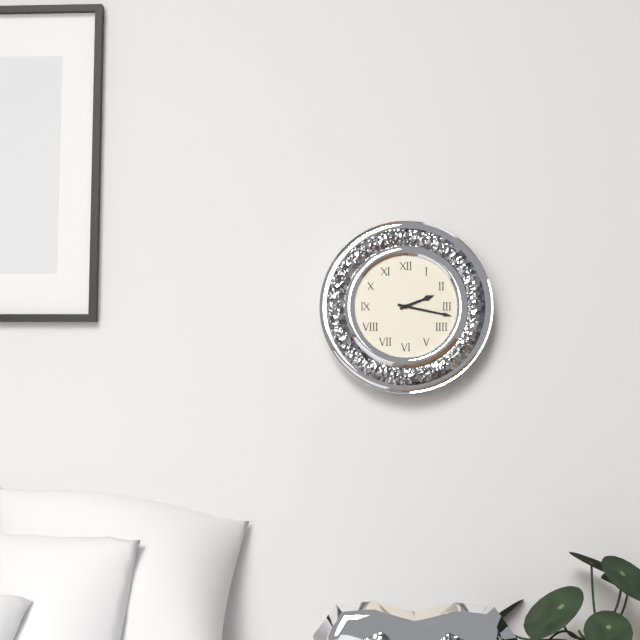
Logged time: {"hour": 2, "minute": 17}
